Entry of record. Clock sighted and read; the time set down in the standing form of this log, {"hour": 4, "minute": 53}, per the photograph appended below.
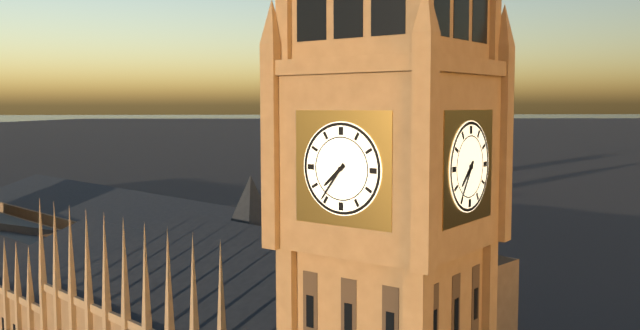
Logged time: {"hour": 7, "minute": 36}
